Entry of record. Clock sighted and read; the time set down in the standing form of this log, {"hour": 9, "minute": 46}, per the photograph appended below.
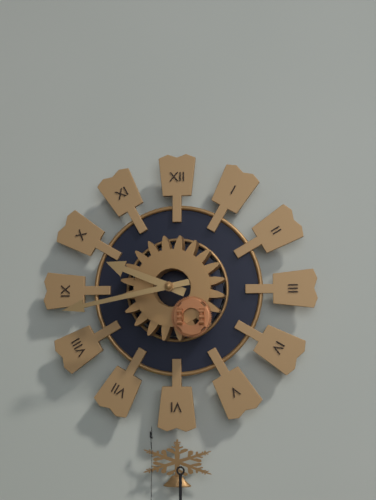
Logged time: {"hour": 9, "minute": 43}
